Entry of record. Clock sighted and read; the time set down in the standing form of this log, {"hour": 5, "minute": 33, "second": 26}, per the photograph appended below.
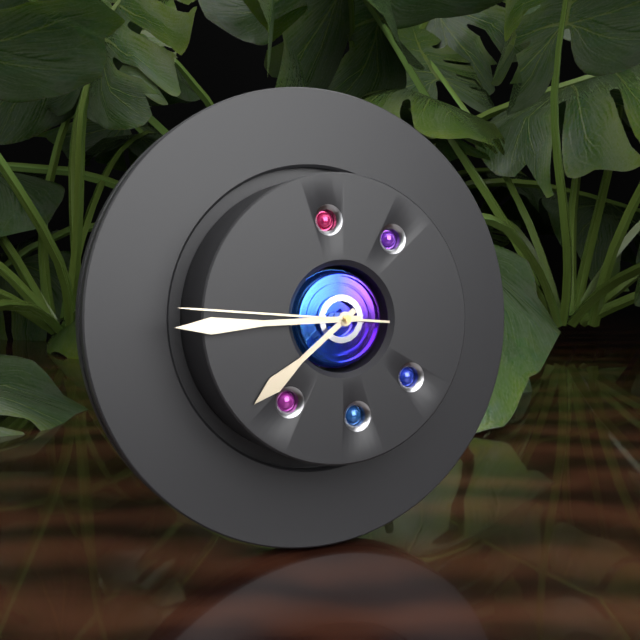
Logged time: {"hour": 7, "minute": 45, "second": 46}
